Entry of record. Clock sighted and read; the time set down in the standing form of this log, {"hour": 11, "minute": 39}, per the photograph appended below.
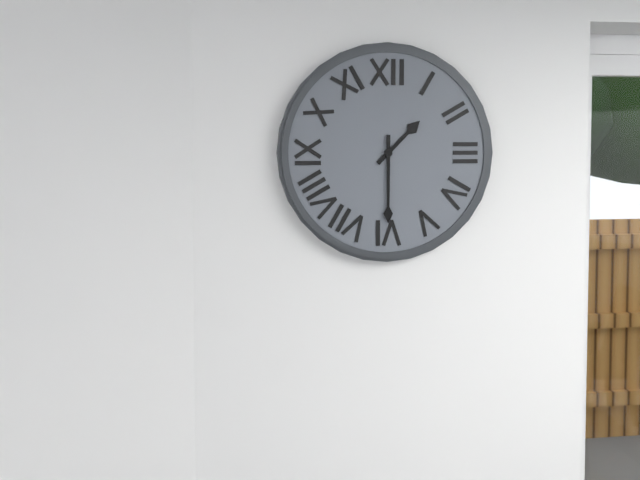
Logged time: {"hour": 1, "minute": 30}
